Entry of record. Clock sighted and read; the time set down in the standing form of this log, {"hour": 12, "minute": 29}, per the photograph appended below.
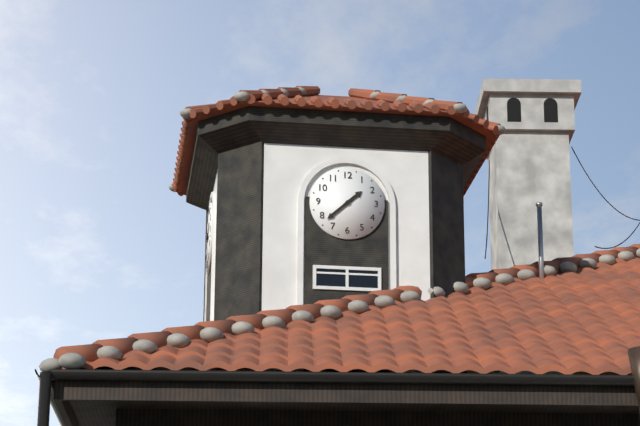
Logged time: {"hour": 1, "minute": 38}
